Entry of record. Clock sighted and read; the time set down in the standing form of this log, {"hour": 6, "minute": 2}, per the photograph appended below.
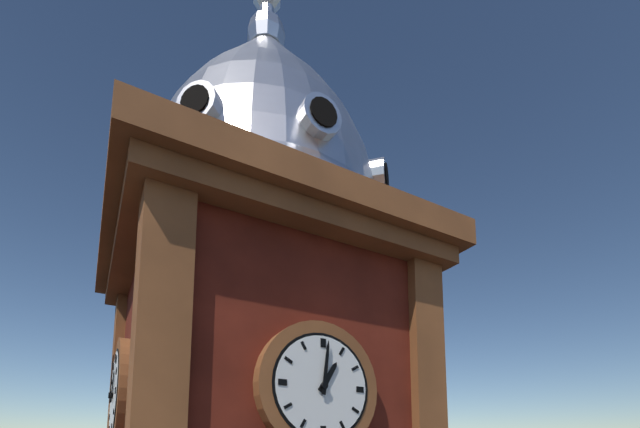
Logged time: {"hour": 1, "minute": 1}
